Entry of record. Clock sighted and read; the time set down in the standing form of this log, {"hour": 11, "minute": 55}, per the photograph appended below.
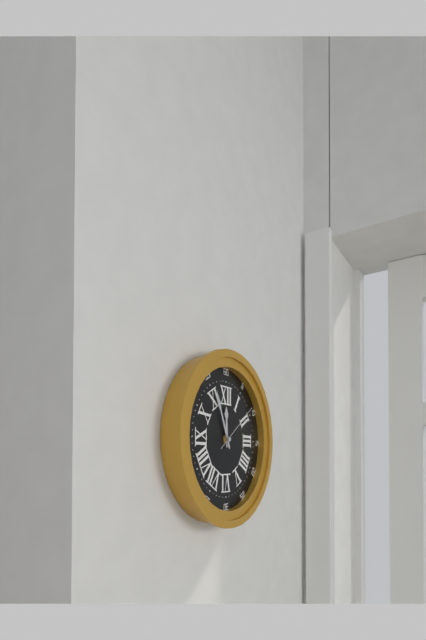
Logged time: {"hour": 11, "minute": 56}
